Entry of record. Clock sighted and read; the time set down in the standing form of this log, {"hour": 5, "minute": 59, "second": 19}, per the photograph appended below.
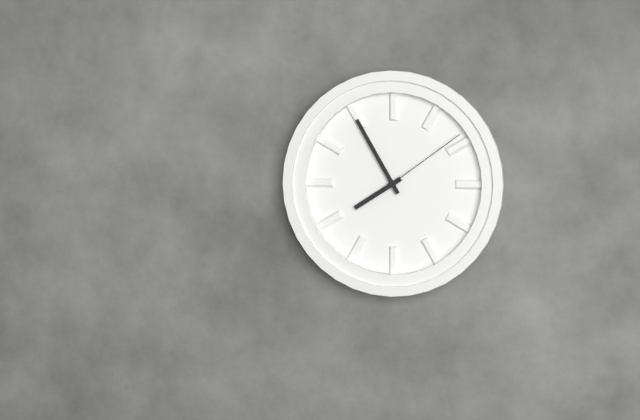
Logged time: {"hour": 7, "minute": 55, "second": 9}
